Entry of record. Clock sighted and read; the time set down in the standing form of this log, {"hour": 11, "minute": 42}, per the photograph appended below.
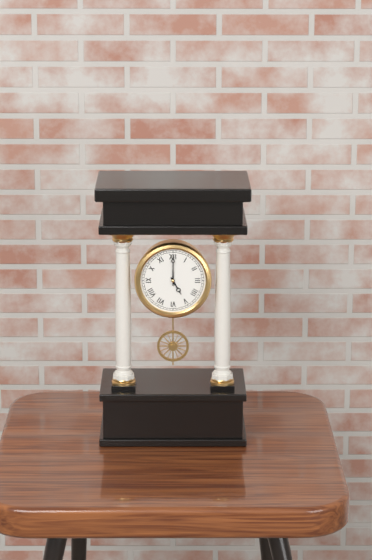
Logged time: {"hour": 5, "minute": 0}
